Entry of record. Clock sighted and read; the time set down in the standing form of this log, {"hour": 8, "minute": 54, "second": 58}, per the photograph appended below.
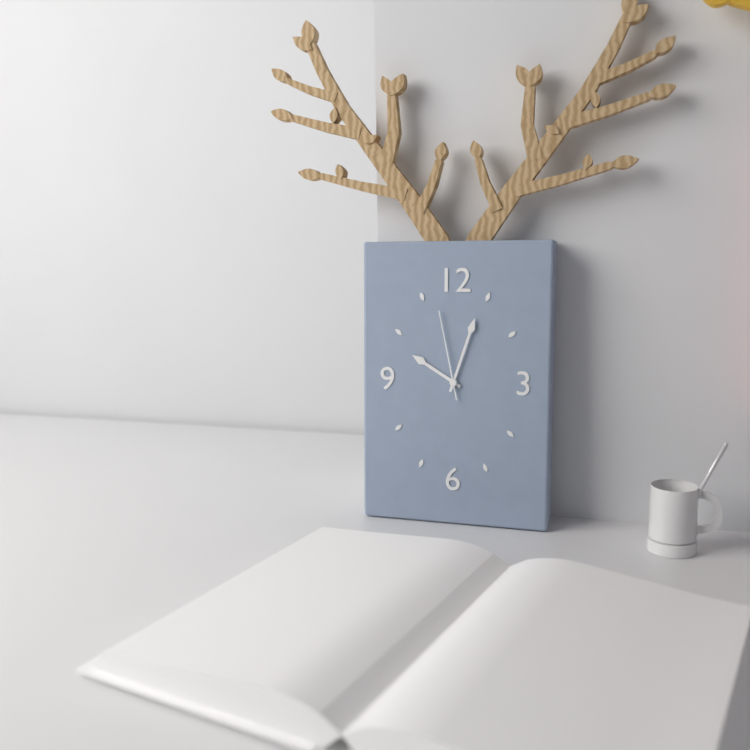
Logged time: {"hour": 10, "minute": 3, "second": 58}
